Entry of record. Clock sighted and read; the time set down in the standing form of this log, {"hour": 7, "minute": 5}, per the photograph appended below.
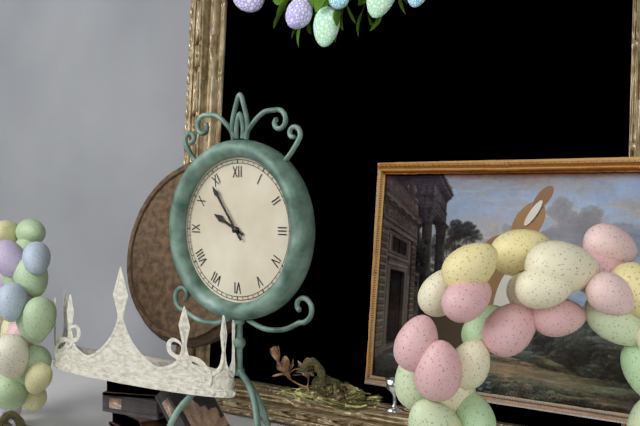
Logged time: {"hour": 9, "minute": 54}
